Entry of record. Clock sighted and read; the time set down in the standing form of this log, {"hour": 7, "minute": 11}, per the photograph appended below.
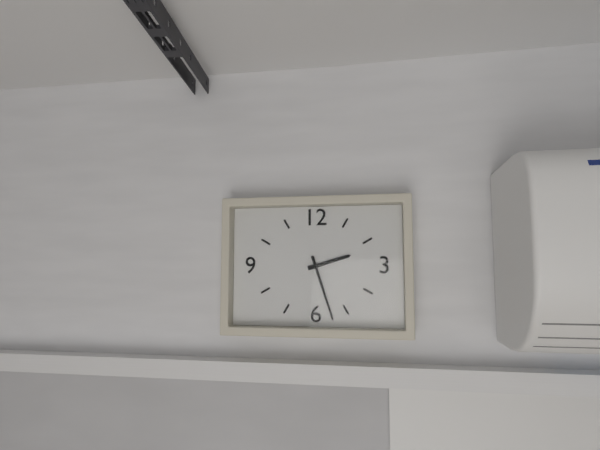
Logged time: {"hour": 2, "minute": 27}
